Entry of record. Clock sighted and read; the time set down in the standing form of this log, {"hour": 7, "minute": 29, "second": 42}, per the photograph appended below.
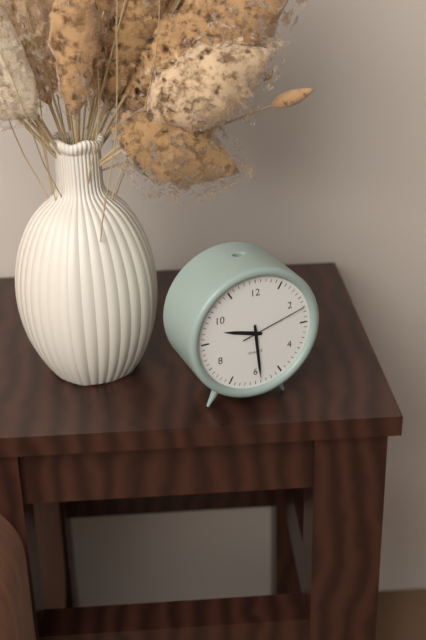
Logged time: {"hour": 9, "minute": 29, "second": 12}
